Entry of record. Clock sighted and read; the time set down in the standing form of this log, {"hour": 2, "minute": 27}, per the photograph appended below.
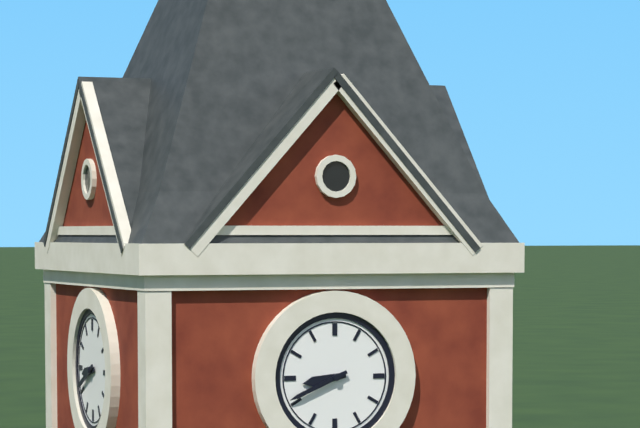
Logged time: {"hour": 8, "minute": 41}
